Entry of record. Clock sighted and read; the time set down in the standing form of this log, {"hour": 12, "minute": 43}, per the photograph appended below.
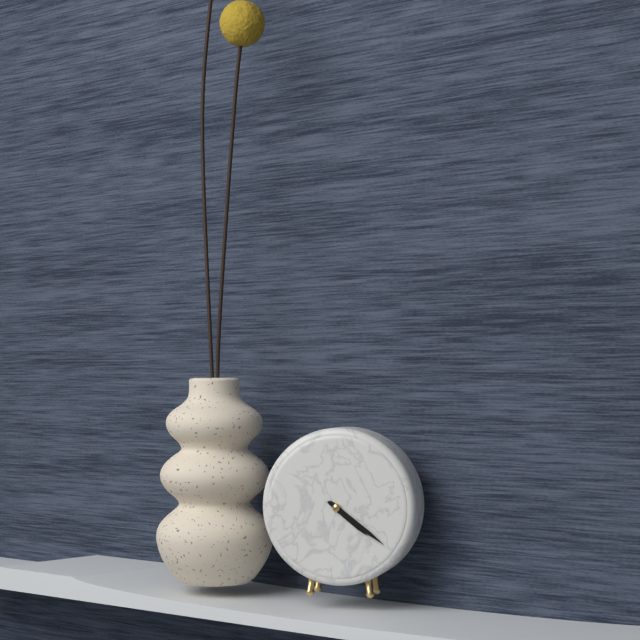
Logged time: {"hour": 4, "minute": 21}
